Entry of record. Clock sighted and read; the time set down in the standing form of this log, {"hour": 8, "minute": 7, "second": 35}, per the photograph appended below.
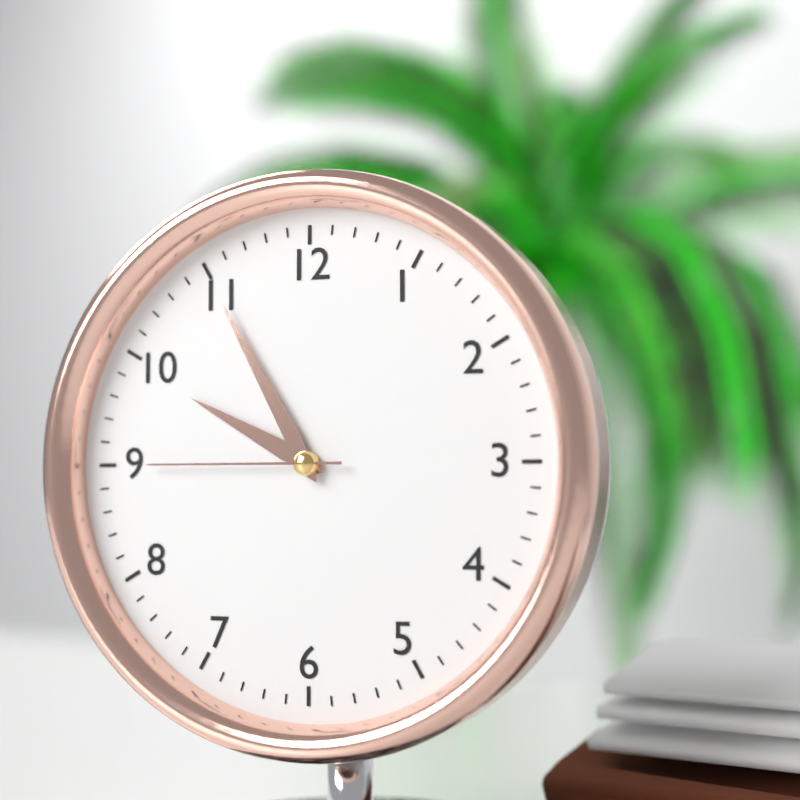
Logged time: {"hour": 9, "minute": 55, "second": 45}
